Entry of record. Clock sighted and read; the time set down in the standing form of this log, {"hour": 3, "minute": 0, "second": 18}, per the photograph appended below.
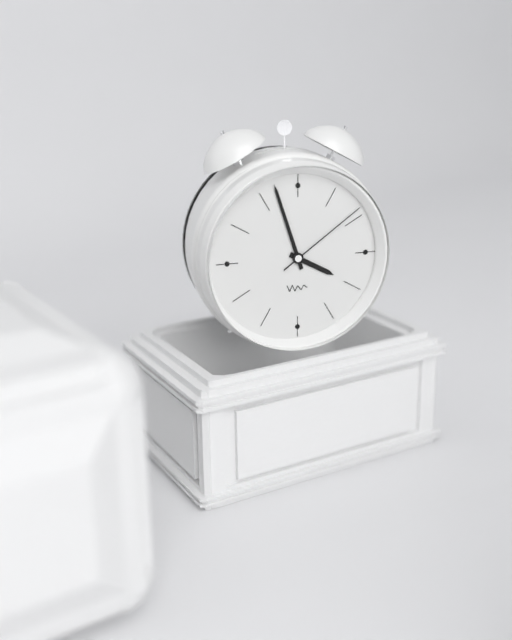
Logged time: {"hour": 3, "minute": 57, "second": 9}
